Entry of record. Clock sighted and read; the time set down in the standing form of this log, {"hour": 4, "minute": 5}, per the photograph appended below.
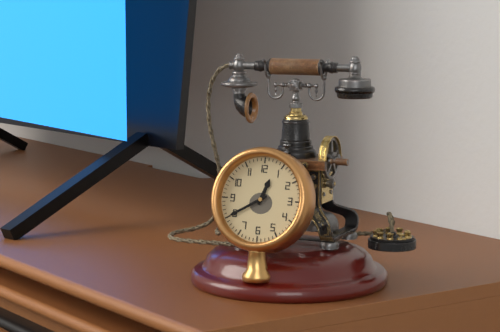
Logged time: {"hour": 12, "minute": 40}
